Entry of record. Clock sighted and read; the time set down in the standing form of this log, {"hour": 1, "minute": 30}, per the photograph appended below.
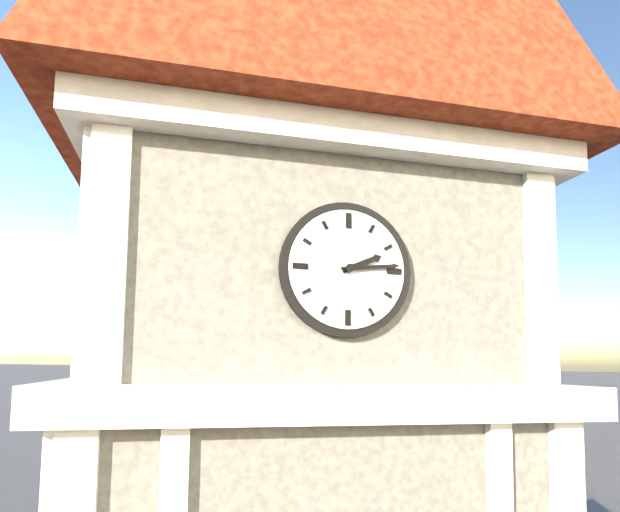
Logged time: {"hour": 2, "minute": 14}
